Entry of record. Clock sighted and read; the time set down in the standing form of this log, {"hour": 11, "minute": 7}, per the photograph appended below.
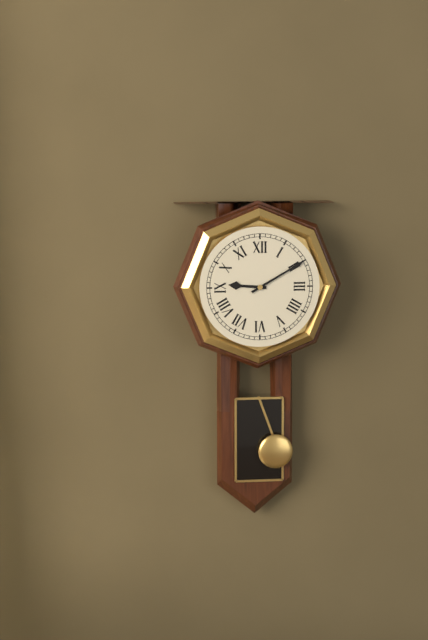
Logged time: {"hour": 9, "minute": 10}
